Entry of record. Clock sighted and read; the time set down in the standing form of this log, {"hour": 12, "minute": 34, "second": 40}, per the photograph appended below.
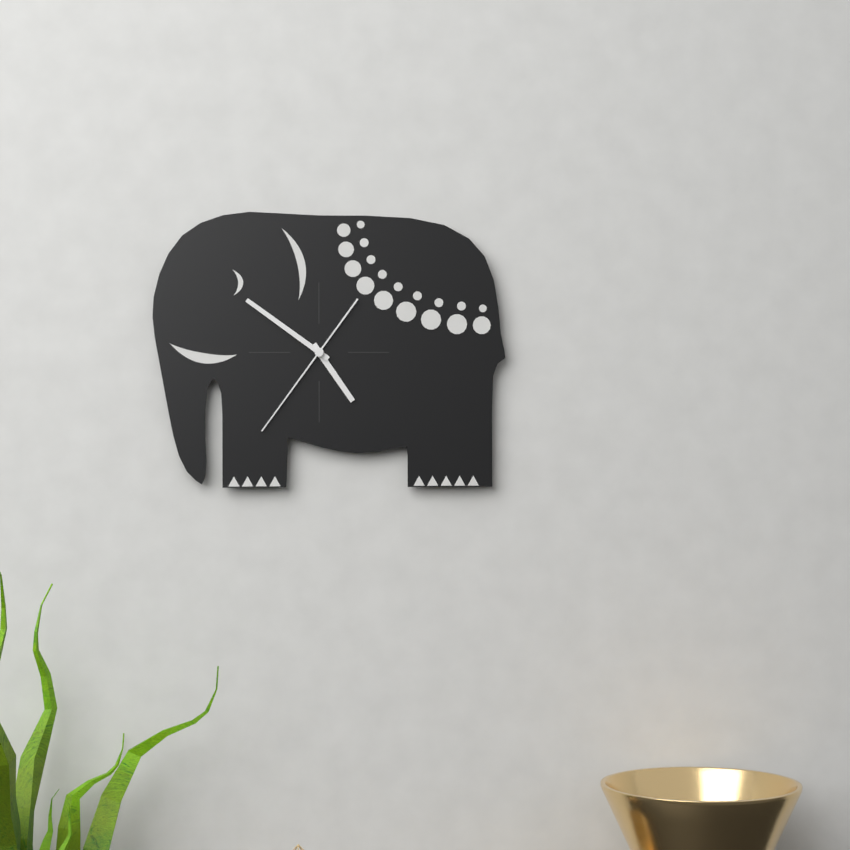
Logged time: {"hour": 4, "minute": 51, "second": 36}
